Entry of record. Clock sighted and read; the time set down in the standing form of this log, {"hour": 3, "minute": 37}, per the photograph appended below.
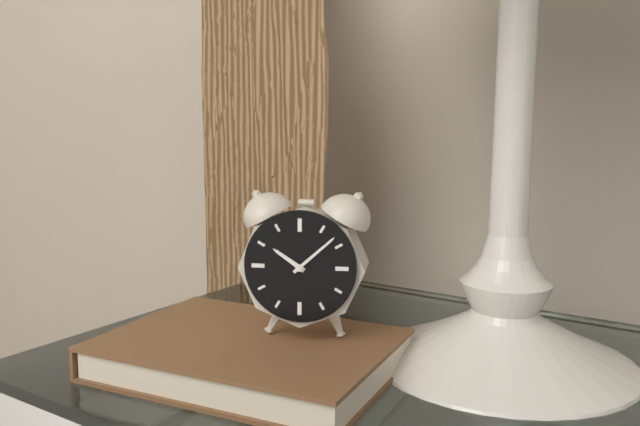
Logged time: {"hour": 10, "minute": 8}
